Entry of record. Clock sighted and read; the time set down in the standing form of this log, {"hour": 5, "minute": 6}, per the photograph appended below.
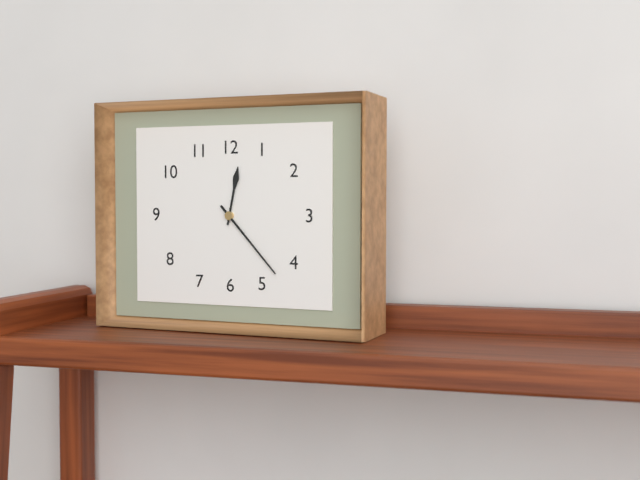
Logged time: {"hour": 12, "minute": 23}
